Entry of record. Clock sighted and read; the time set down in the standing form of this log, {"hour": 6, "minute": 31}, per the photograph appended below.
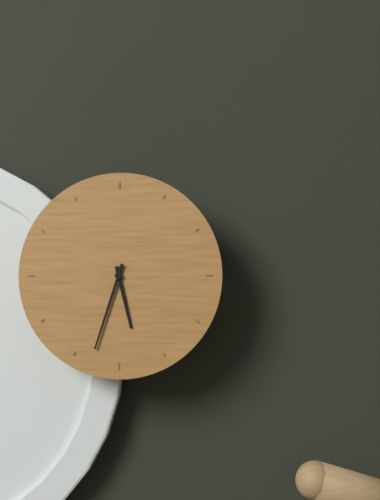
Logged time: {"hour": 5, "minute": 33}
